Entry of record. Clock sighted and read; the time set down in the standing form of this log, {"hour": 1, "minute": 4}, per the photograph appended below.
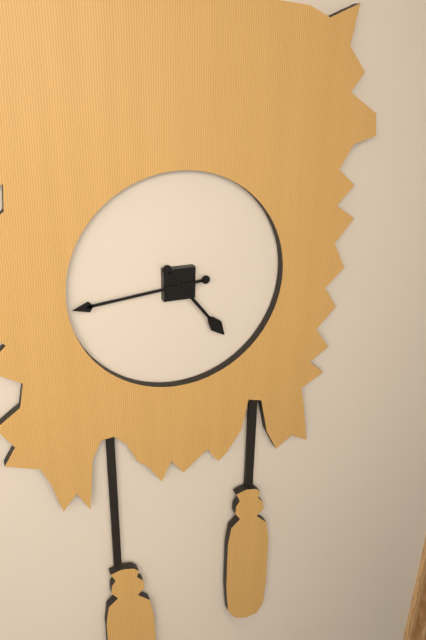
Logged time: {"hour": 4, "minute": 44}
